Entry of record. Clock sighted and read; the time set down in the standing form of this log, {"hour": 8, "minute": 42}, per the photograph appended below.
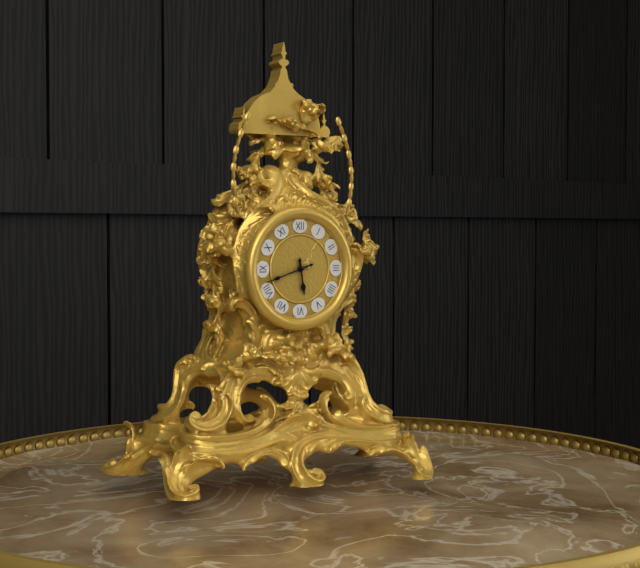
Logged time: {"hour": 5, "minute": 42}
